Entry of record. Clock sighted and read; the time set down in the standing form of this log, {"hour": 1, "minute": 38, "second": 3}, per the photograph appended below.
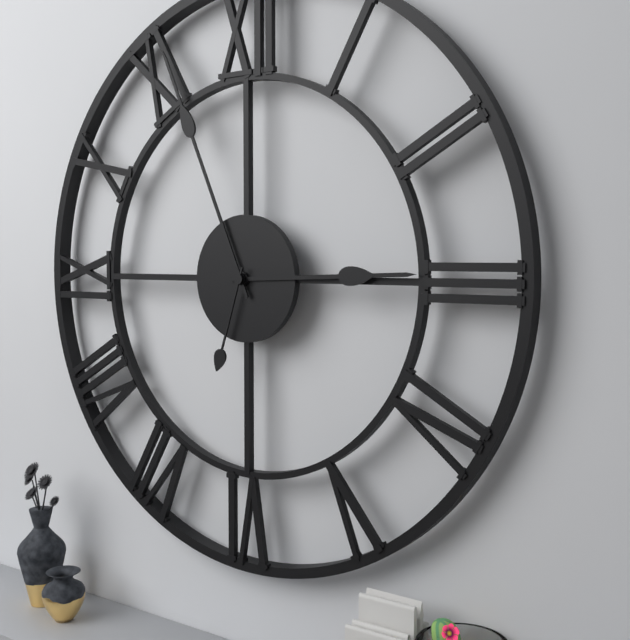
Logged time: {"hour": 2, "minute": 56, "second": 33}
